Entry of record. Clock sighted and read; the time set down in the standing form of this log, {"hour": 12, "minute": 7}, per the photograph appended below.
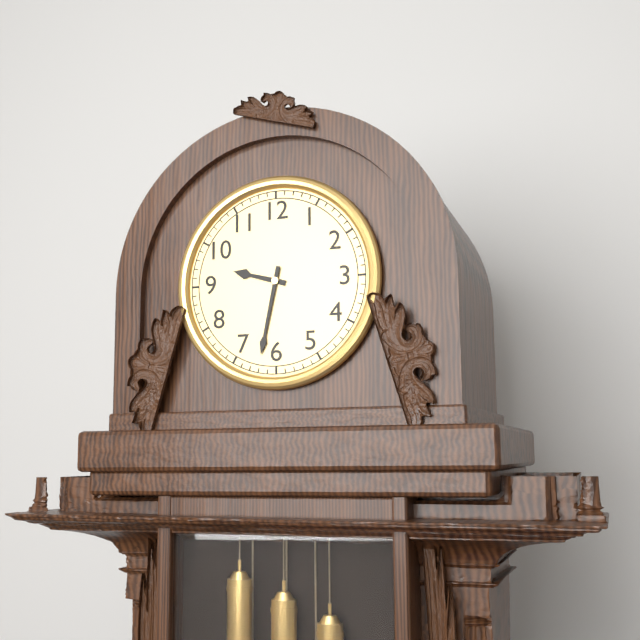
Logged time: {"hour": 9, "minute": 32}
